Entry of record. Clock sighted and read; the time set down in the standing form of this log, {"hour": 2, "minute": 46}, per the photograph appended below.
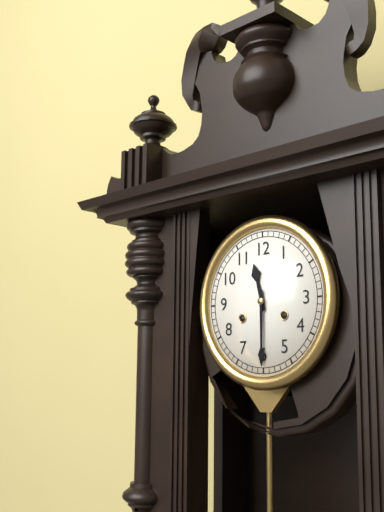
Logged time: {"hour": 11, "minute": 30}
